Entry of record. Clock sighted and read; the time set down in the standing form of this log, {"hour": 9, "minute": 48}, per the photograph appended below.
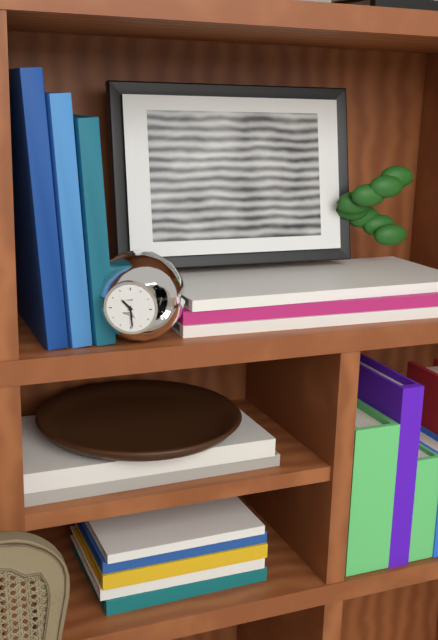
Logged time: {"hour": 10, "minute": 29}
